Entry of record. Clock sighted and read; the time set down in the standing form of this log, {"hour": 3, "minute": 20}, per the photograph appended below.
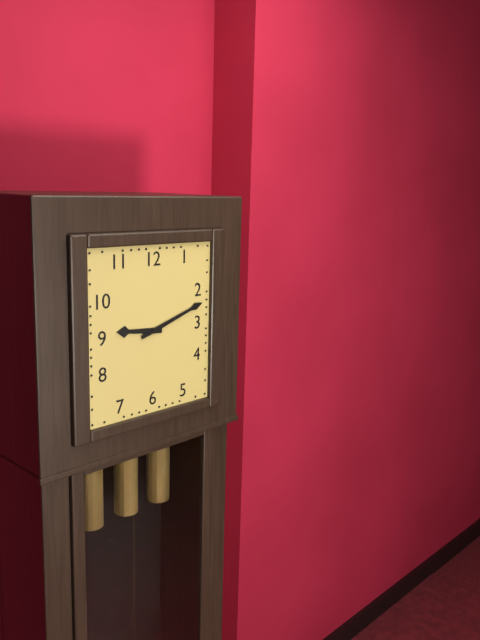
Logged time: {"hour": 9, "minute": 12}
